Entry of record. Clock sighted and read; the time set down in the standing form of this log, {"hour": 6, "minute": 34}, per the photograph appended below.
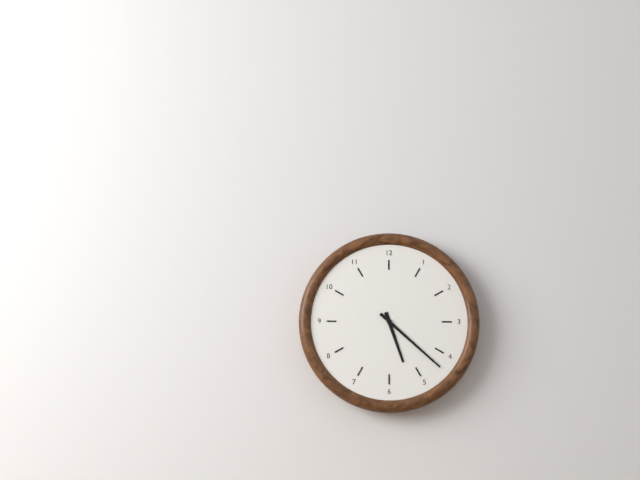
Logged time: {"hour": 5, "minute": 22}
